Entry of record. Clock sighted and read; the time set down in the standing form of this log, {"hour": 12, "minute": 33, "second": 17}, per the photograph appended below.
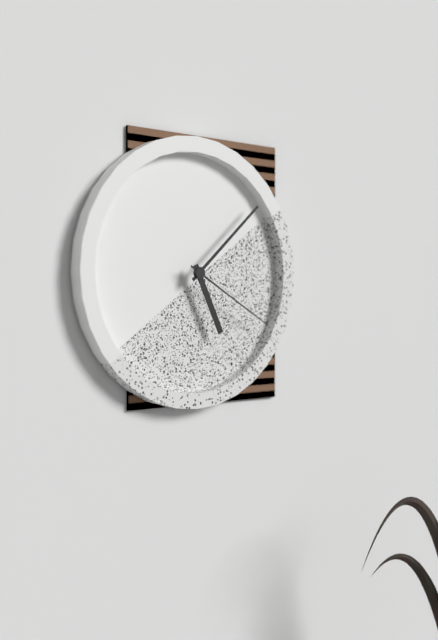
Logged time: {"hour": 5, "minute": 8, "second": 20}
